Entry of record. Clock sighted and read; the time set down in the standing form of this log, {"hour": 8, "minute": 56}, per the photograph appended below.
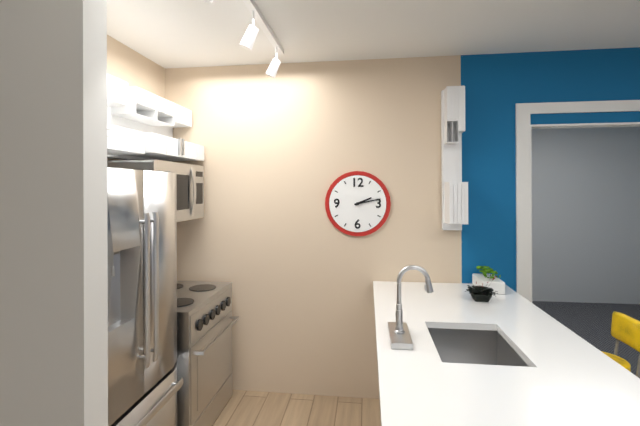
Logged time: {"hour": 2, "minute": 13}
